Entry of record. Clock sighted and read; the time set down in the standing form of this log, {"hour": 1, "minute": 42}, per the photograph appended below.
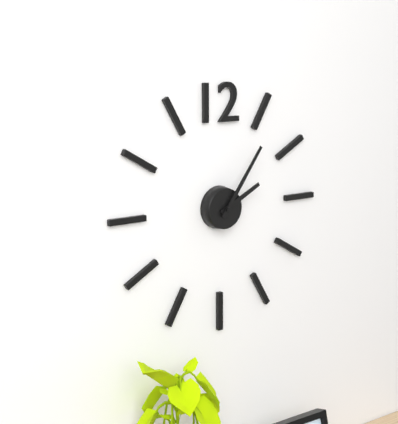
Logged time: {"hour": 2, "minute": 6}
